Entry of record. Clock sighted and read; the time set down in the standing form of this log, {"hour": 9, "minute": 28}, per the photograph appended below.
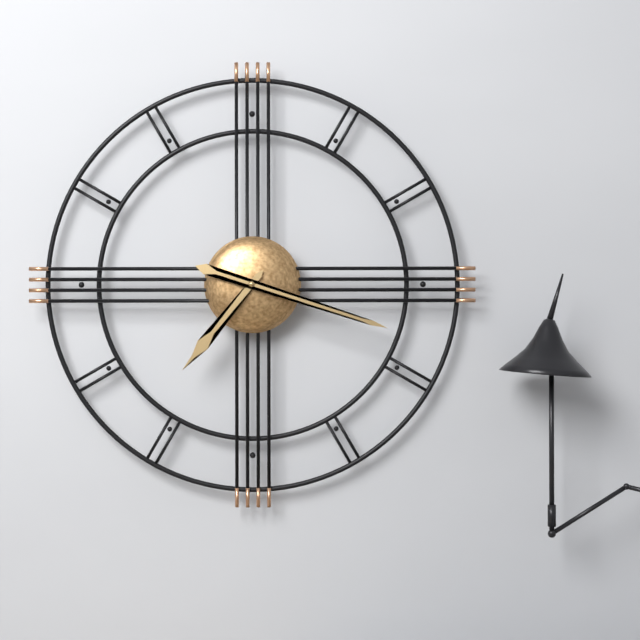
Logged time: {"hour": 7, "minute": 18}
